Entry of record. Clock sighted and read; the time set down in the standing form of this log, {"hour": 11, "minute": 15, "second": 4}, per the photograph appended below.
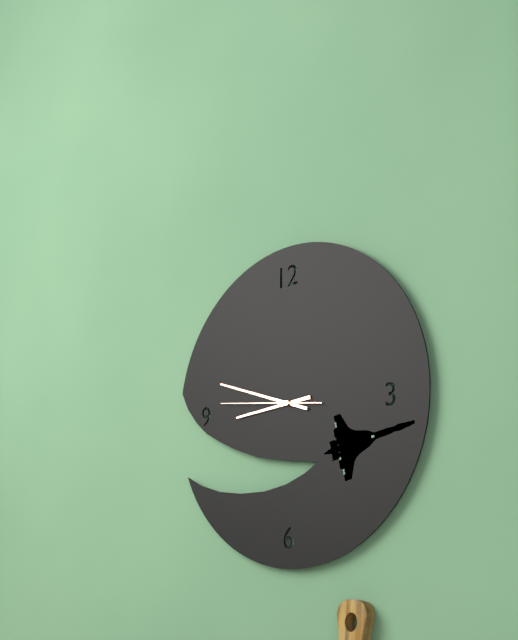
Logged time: {"hour": 8, "minute": 48, "second": 46}
